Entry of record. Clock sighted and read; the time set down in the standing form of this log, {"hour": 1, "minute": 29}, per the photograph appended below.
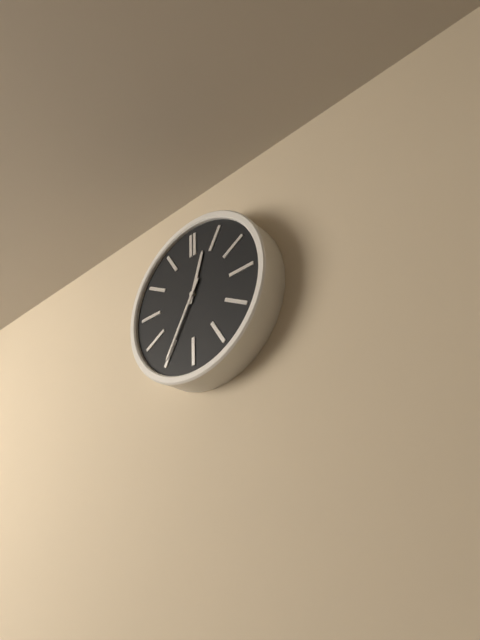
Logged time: {"hour": 12, "minute": 35}
